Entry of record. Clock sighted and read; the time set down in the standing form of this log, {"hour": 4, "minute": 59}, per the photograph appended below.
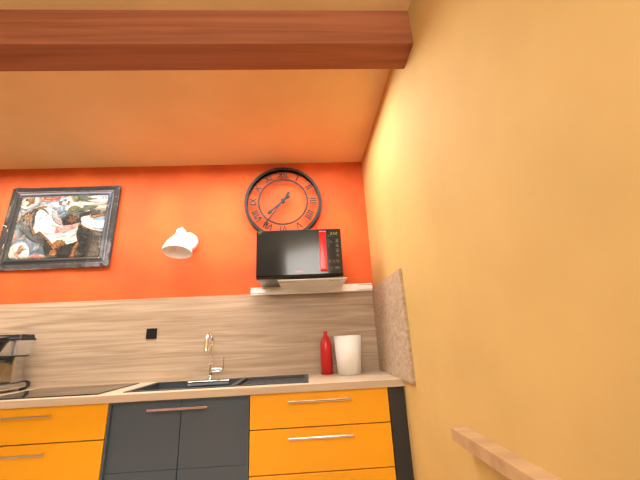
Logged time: {"hour": 7, "minute": 36}
